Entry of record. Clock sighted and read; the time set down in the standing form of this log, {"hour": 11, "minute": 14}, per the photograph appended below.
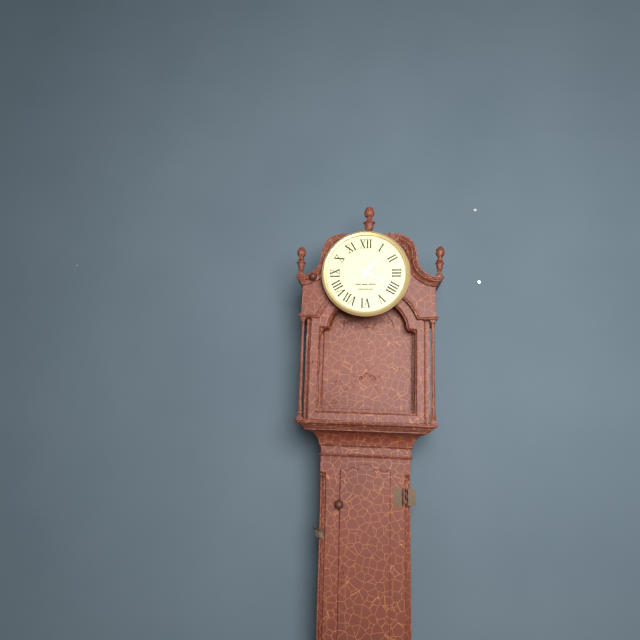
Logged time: {"hour": 1, "minute": 20}
